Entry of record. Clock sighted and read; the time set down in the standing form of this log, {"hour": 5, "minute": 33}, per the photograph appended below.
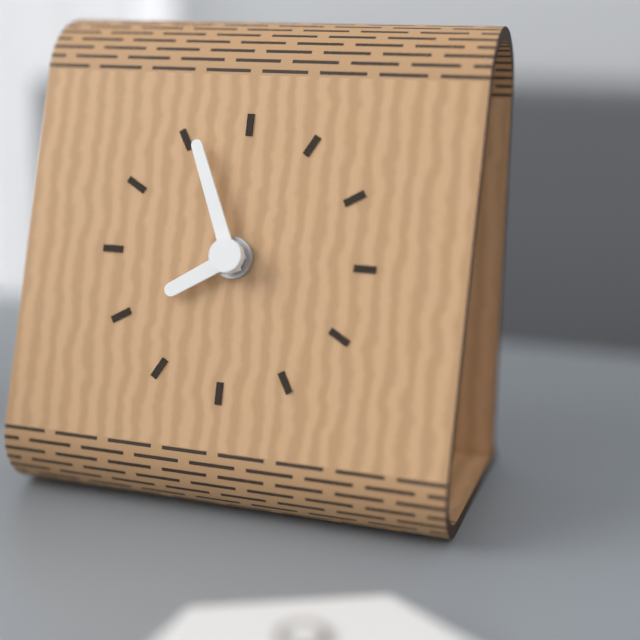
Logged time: {"hour": 7, "minute": 56}
